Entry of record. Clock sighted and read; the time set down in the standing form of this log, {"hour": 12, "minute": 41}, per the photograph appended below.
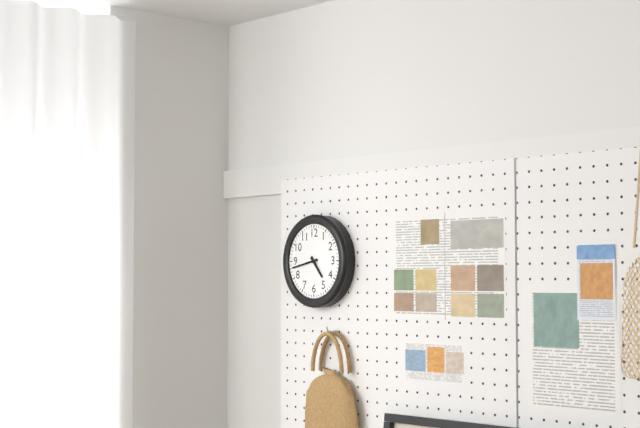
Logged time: {"hour": 4, "minute": 43}
